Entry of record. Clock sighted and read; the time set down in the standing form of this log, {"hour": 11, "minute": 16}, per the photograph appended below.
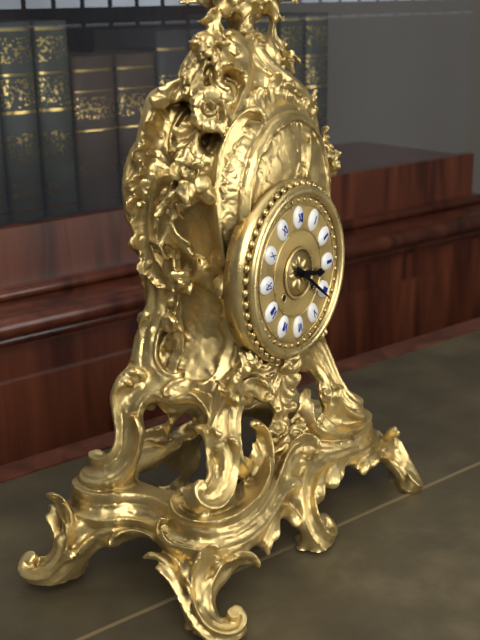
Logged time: {"hour": 3, "minute": 21}
